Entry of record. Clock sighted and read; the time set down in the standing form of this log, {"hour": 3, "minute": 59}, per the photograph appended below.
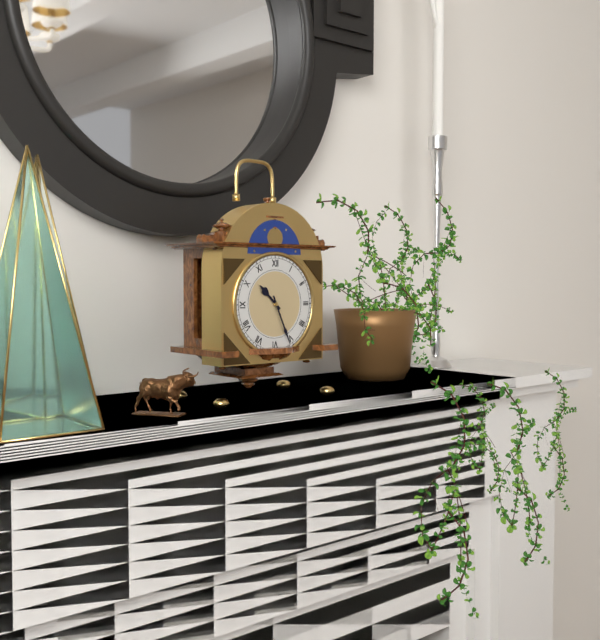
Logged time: {"hour": 10, "minute": 26}
